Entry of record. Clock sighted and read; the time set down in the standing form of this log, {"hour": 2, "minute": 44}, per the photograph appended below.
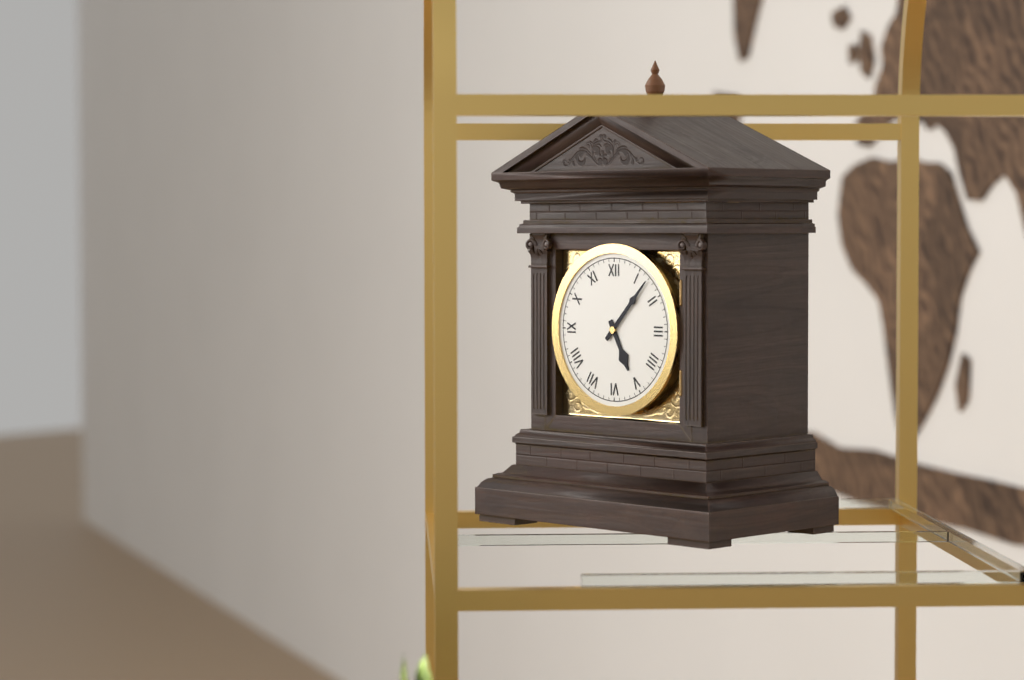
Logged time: {"hour": 5, "minute": 7}
